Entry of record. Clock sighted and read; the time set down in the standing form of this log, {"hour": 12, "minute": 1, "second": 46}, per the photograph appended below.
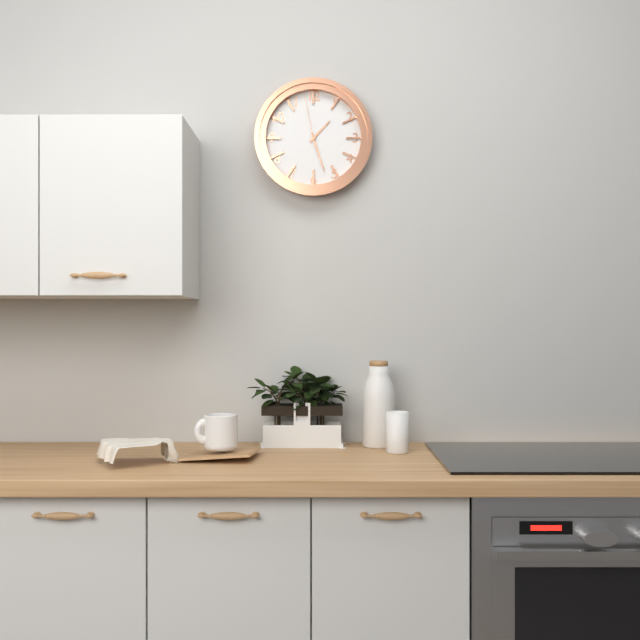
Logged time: {"hour": 1, "minute": 27, "second": 58}
